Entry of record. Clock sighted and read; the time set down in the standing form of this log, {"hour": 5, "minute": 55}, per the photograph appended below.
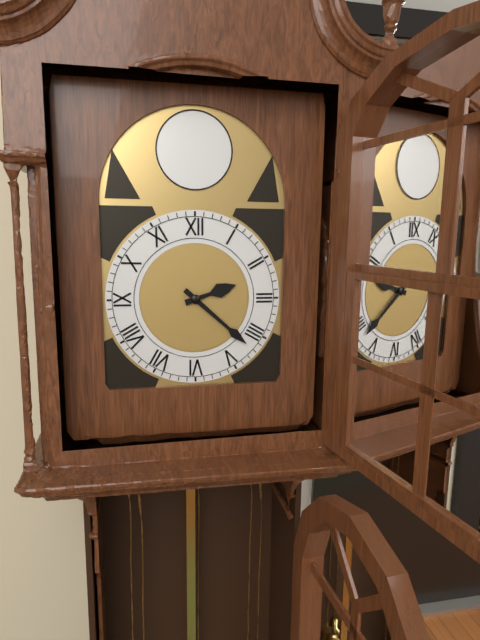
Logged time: {"hour": 2, "minute": 22}
